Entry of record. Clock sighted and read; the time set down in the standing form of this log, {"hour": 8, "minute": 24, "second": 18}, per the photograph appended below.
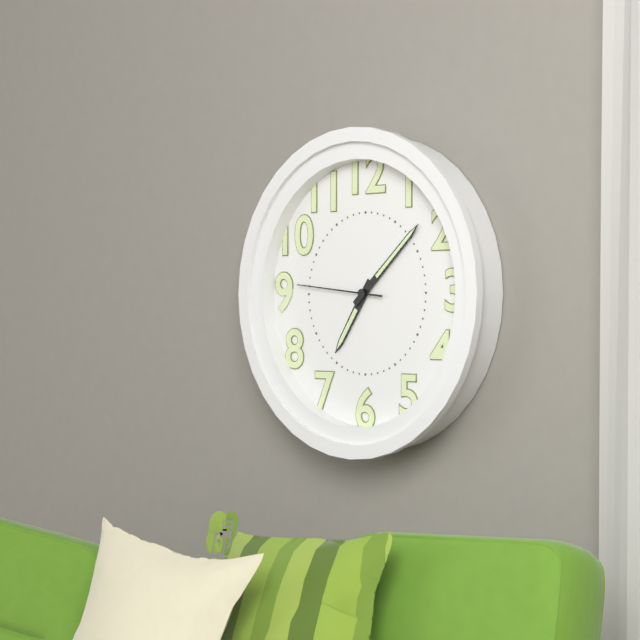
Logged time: {"hour": 7, "minute": 8, "second": 46}
